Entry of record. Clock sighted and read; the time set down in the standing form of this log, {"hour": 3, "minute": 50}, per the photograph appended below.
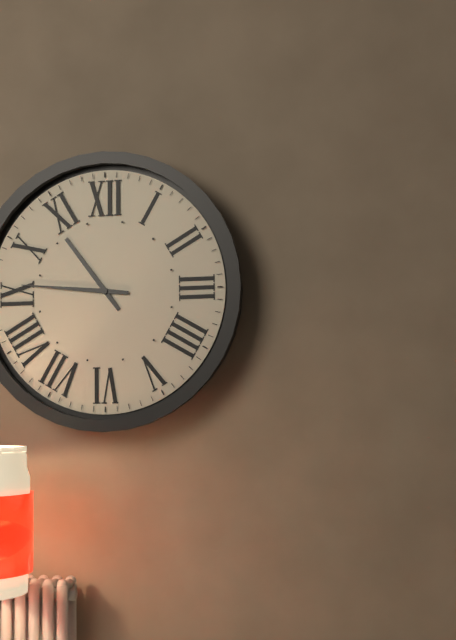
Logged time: {"hour": 10, "minute": 46}
